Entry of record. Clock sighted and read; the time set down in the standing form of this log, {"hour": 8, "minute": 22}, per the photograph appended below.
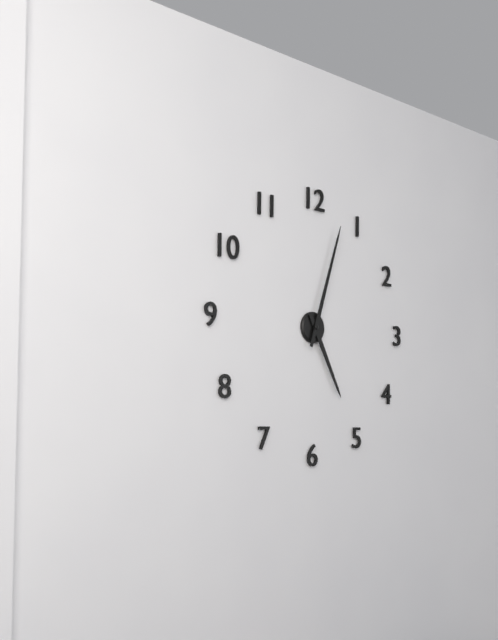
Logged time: {"hour": 5, "minute": 3}
